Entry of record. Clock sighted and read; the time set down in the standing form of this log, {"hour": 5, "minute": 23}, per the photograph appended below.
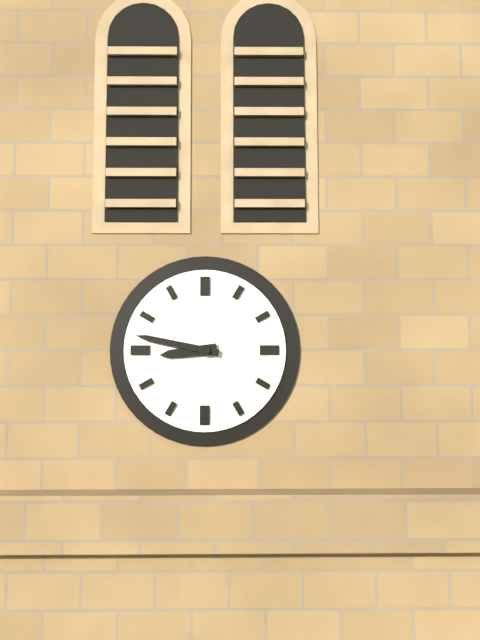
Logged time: {"hour": 8, "minute": 47}
